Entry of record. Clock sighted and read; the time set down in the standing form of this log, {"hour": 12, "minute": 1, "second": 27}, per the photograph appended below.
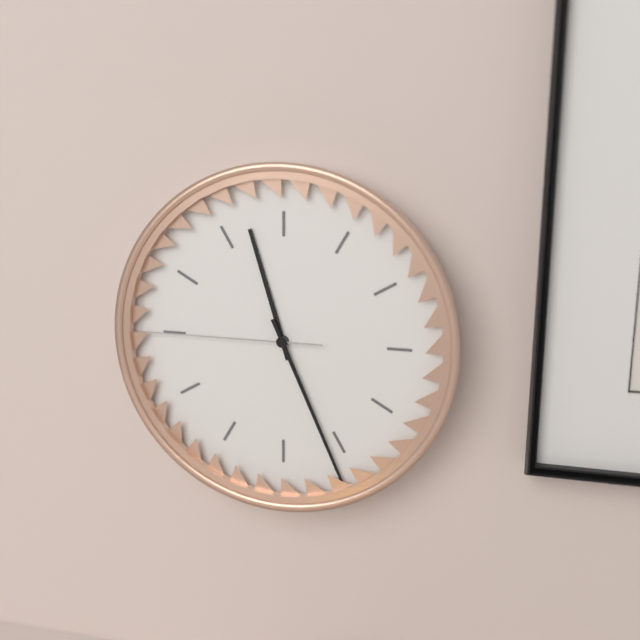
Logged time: {"hour": 11, "minute": 26, "second": 45}
